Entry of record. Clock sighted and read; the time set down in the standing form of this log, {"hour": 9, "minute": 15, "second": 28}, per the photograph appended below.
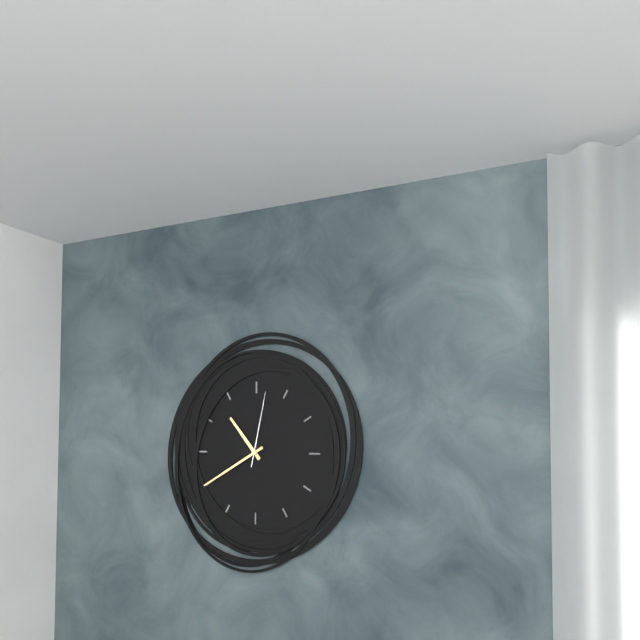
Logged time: {"hour": 10, "minute": 40, "second": 2}
